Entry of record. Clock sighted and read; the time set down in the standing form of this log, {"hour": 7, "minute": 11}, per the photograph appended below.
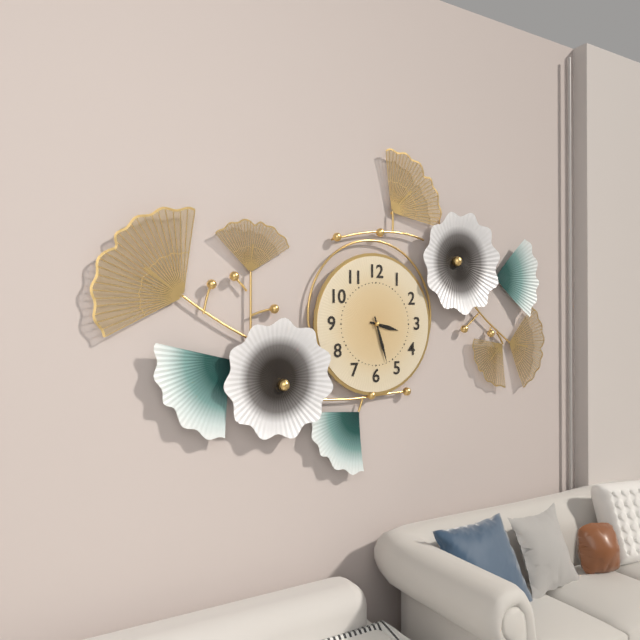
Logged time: {"hour": 3, "minute": 27}
